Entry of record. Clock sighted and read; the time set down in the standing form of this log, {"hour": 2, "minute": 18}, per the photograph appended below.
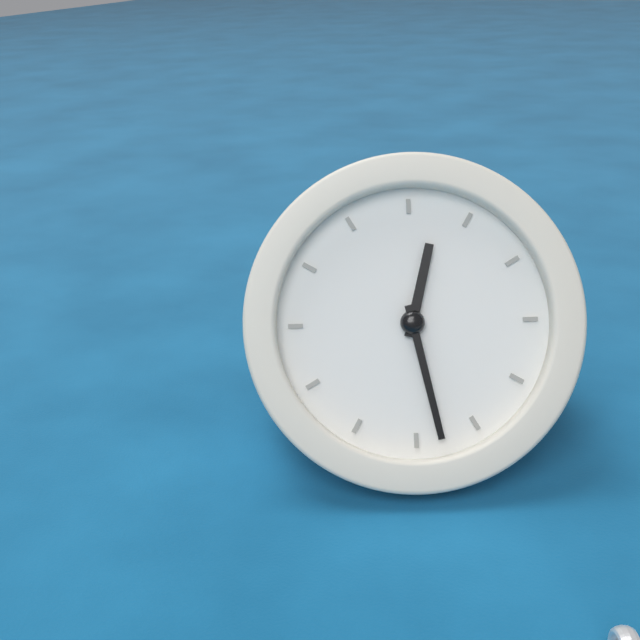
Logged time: {"hour": 12, "minute": 28}
